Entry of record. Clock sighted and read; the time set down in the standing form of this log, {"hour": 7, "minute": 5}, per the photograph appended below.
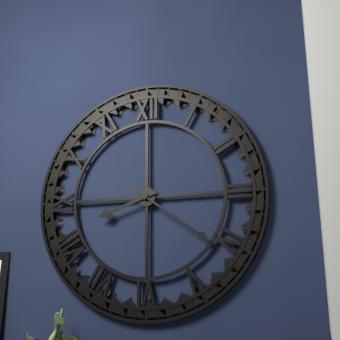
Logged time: {"hour": 8, "minute": 21}
